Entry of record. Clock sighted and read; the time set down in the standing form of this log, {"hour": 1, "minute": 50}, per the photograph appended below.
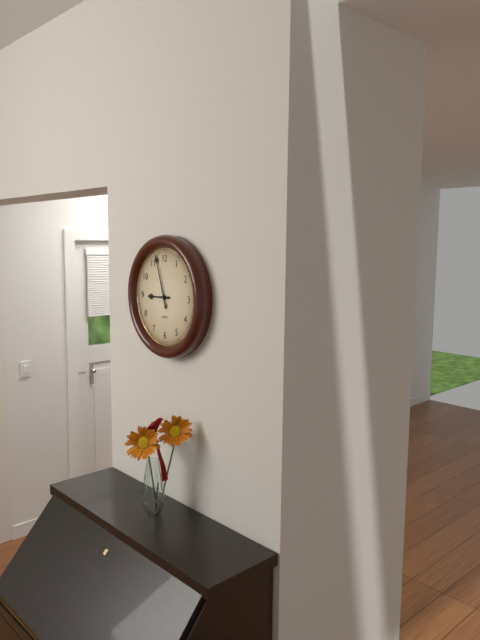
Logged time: {"hour": 8, "minute": 57}
